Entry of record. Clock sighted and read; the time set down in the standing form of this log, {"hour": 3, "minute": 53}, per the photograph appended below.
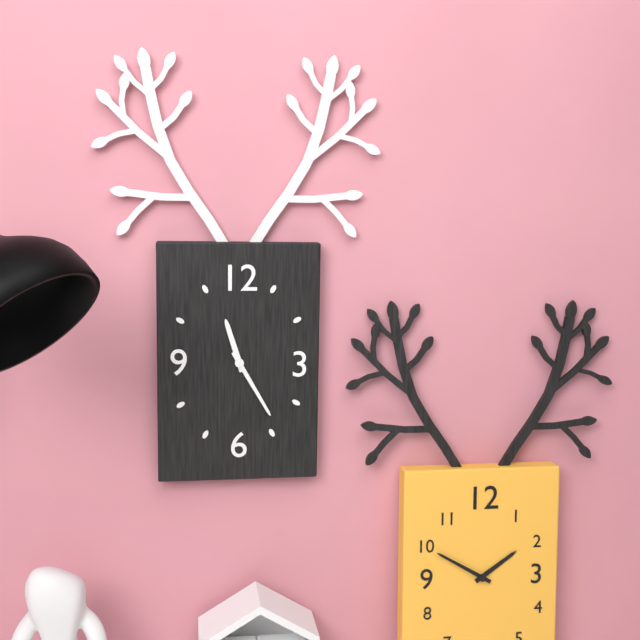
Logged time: {"hour": 11, "minute": 25}
